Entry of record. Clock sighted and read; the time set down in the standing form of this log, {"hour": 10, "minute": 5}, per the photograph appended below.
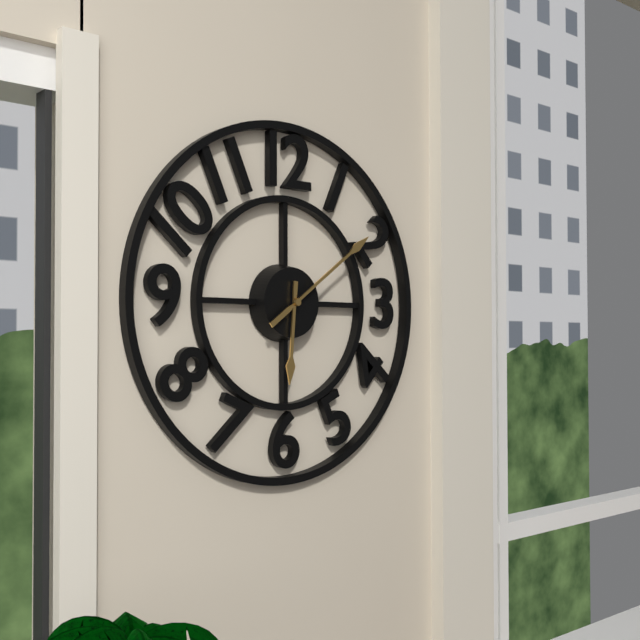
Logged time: {"hour": 6, "minute": 9}
